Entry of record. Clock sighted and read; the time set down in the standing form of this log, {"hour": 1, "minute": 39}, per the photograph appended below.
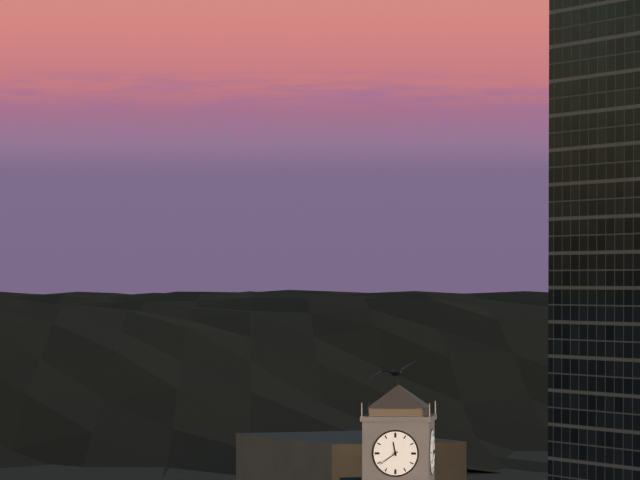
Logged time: {"hour": 11, "minute": 39}
